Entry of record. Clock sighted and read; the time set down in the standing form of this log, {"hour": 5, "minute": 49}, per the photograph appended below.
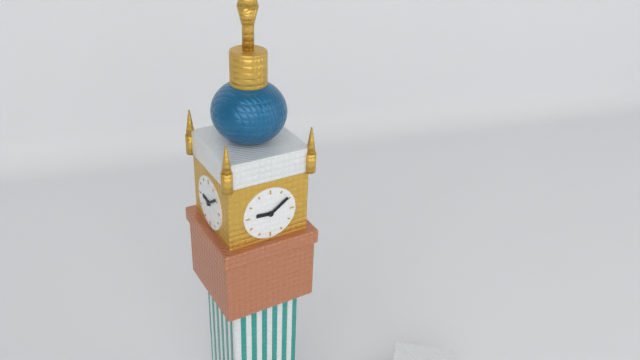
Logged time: {"hour": 9, "minute": 9}
